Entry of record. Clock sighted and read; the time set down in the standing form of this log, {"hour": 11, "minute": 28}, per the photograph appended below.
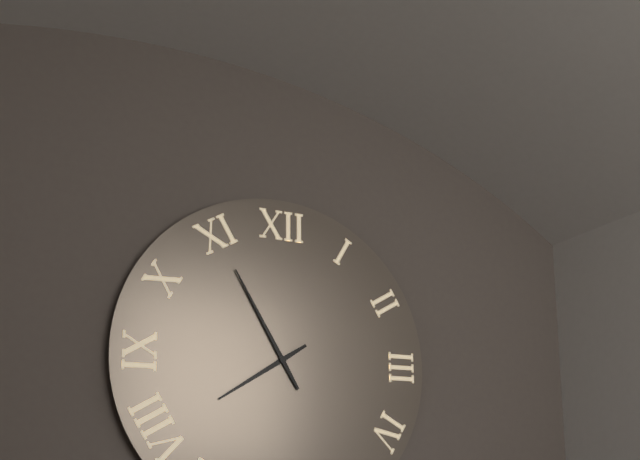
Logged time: {"hour": 7, "minute": 55}
